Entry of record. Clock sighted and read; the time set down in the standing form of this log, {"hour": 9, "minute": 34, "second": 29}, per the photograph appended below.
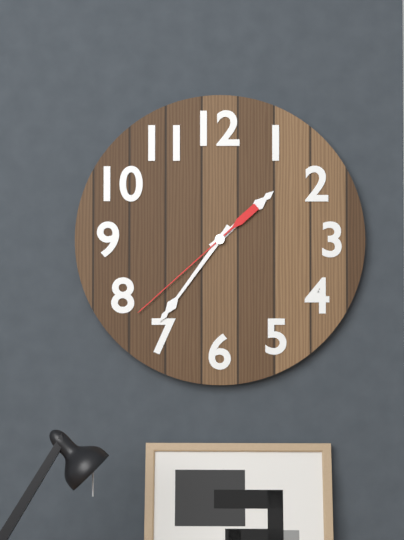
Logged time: {"hour": 1, "minute": 36, "second": 38}
